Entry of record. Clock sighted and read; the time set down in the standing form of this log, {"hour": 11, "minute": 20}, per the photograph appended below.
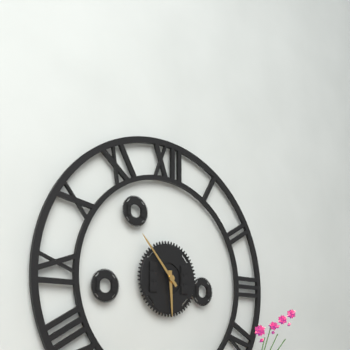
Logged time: {"hour": 5, "minute": 53}
